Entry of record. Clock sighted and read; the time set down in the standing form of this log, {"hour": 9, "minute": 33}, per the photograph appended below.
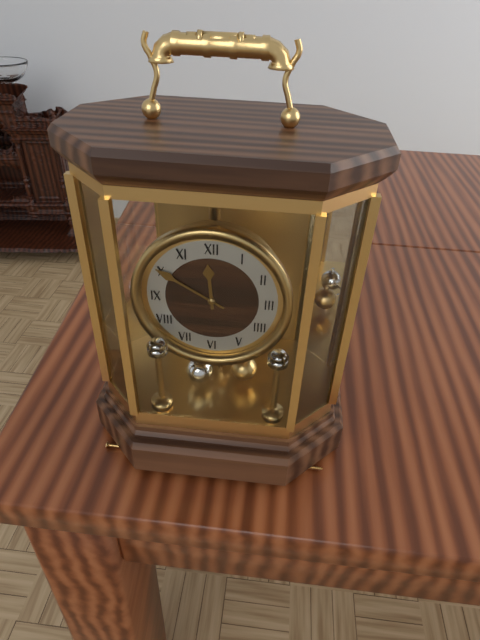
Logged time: {"hour": 11, "minute": 50}
